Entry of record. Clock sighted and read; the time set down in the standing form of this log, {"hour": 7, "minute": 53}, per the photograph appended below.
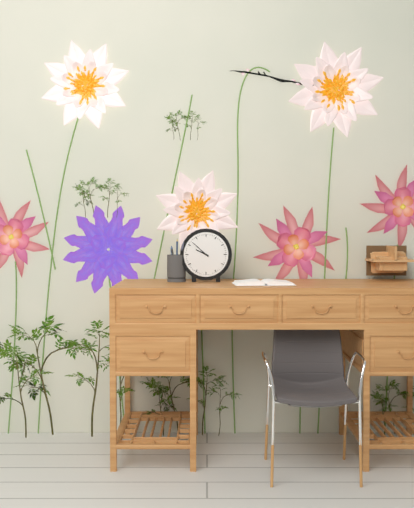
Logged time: {"hour": 9, "minute": 52}
